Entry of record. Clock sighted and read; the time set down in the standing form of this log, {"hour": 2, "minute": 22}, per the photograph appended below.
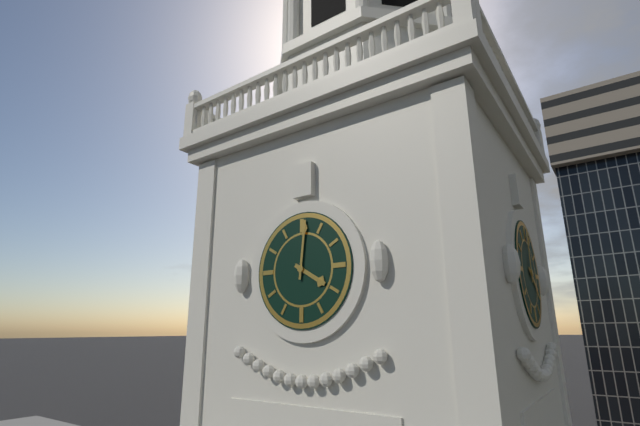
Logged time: {"hour": 4, "minute": 1}
